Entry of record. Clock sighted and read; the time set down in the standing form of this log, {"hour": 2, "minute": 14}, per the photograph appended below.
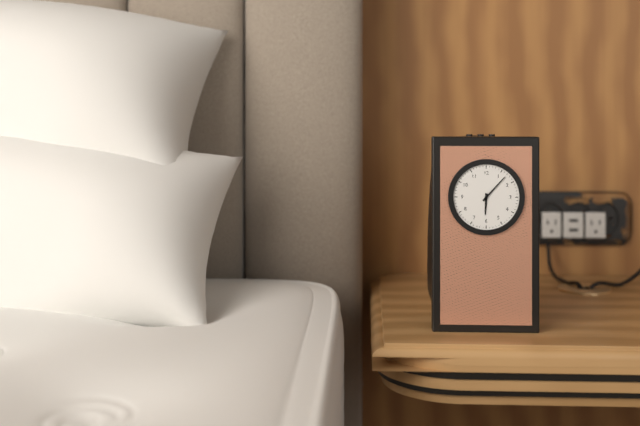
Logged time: {"hour": 6, "minute": 7}
